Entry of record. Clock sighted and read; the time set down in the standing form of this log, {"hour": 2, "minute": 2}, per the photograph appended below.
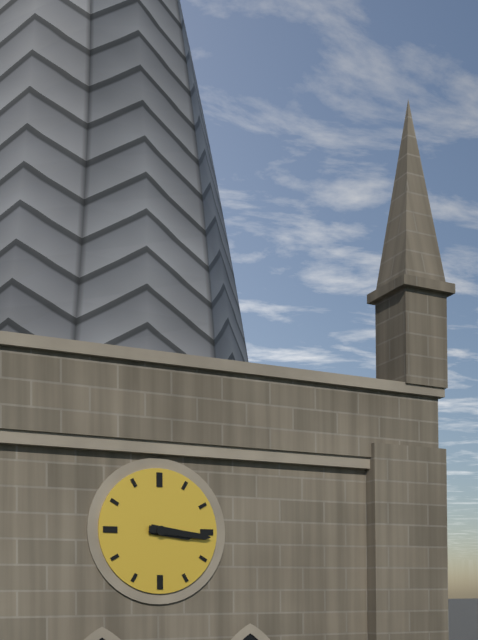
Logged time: {"hour": 3, "minute": 16}
